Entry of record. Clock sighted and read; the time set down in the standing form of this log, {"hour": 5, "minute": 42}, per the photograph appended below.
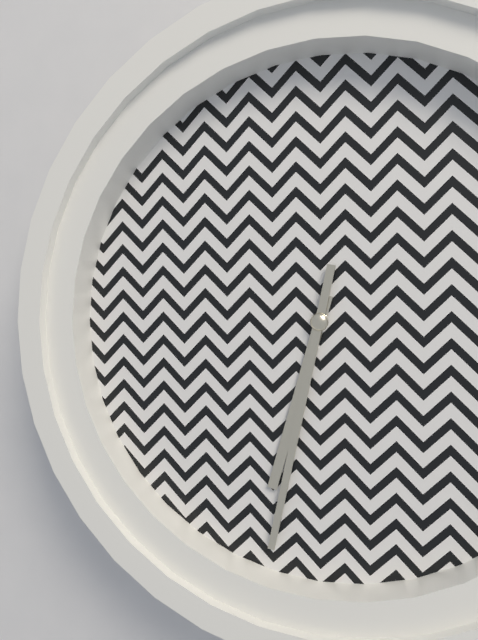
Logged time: {"hour": 6, "minute": 32}
